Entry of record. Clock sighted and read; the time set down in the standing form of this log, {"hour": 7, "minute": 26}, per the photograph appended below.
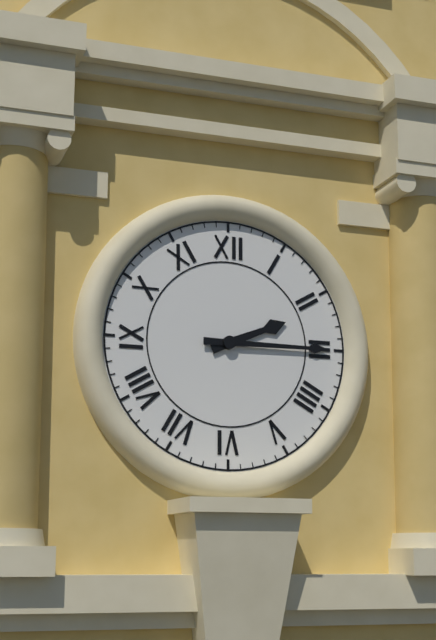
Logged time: {"hour": 2, "minute": 15}
